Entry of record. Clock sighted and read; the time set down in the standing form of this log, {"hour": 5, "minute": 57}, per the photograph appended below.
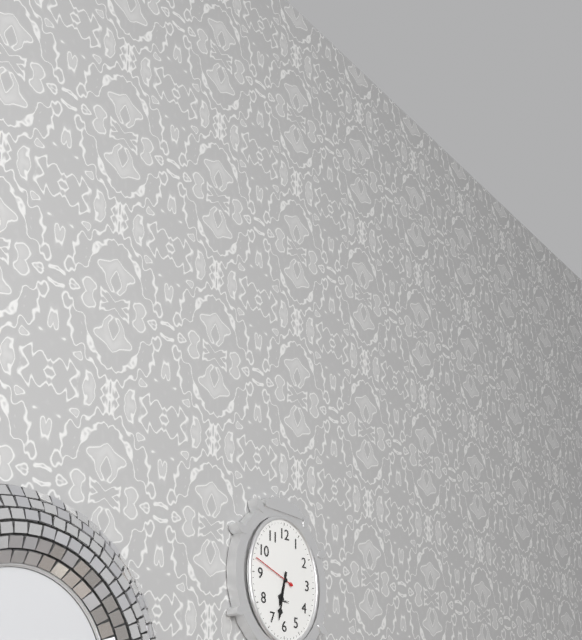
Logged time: {"hour": 6, "minute": 32}
